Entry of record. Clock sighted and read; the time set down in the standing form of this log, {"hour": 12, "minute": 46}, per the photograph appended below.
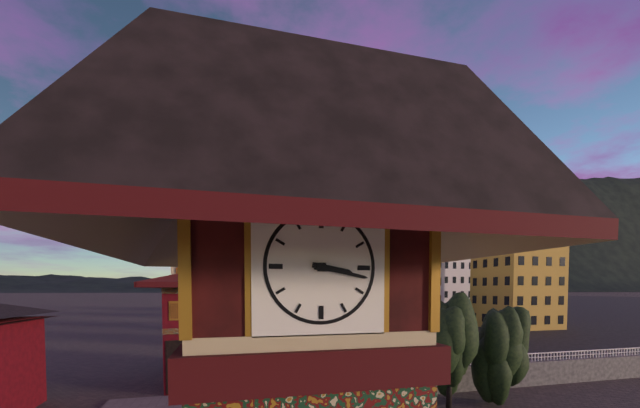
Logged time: {"hour": 3, "minute": 17}
